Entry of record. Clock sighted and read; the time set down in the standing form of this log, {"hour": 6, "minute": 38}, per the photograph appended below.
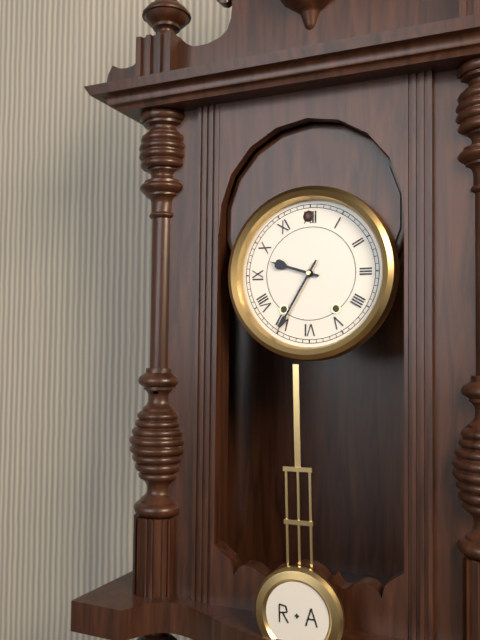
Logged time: {"hour": 9, "minute": 35}
